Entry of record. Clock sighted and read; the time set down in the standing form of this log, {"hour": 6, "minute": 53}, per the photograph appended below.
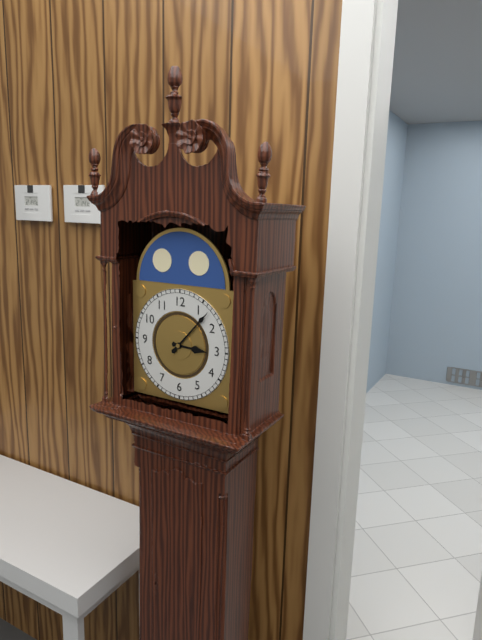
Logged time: {"hour": 3, "minute": 7}
